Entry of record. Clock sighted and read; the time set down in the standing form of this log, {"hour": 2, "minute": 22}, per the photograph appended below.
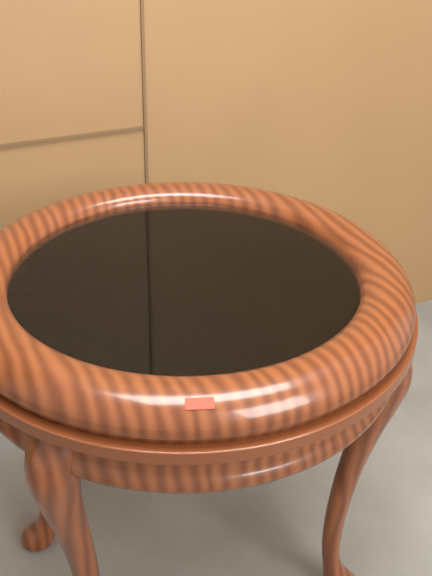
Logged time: {"hour": 10, "minute": 46}
